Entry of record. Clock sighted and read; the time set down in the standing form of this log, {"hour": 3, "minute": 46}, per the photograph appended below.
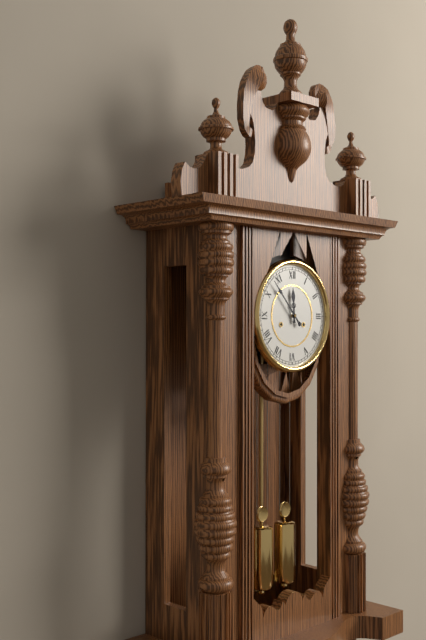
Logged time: {"hour": 11, "minute": 53}
